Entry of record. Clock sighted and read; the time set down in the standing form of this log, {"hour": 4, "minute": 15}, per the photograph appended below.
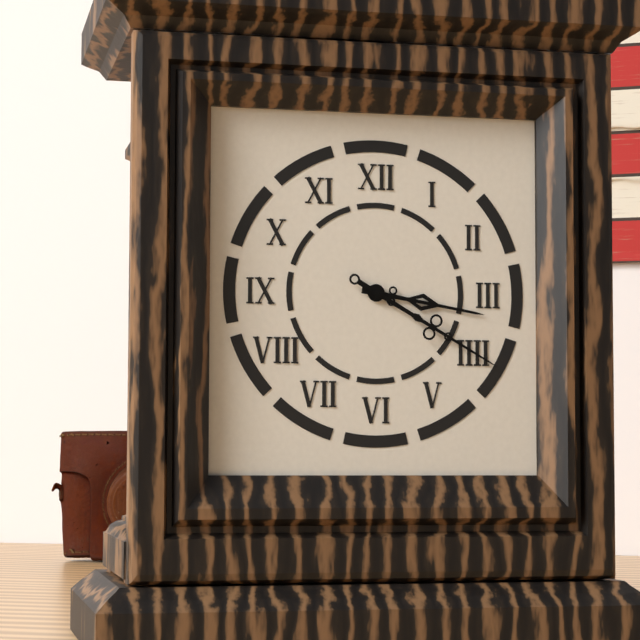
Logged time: {"hour": 3, "minute": 20}
